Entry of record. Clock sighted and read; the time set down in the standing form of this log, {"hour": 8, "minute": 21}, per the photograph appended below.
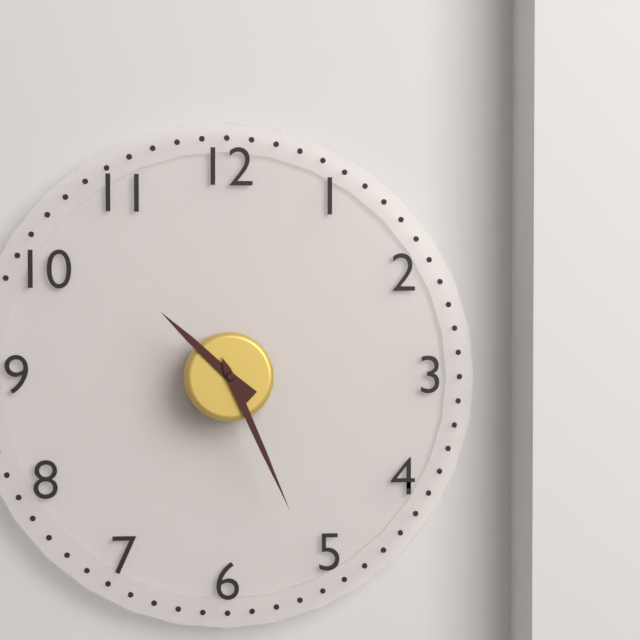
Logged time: {"hour": 10, "minute": 26}
